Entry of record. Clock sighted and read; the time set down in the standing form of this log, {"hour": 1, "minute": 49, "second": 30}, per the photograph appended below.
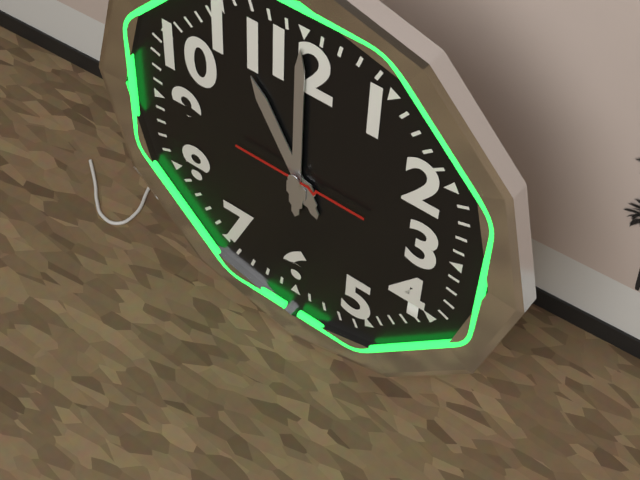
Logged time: {"hour": 11, "minute": 0, "second": 15}
